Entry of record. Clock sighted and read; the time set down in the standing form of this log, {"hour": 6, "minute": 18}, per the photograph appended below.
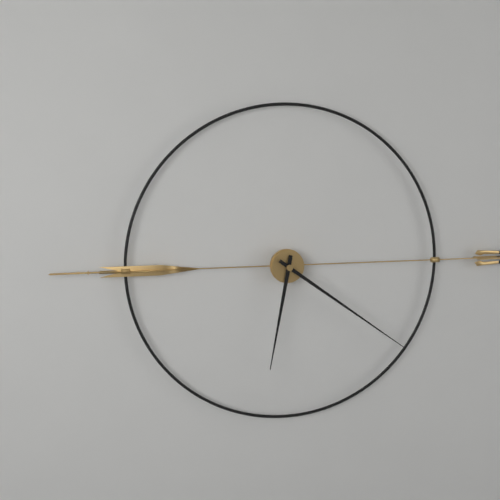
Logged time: {"hour": 6, "minute": 21}
